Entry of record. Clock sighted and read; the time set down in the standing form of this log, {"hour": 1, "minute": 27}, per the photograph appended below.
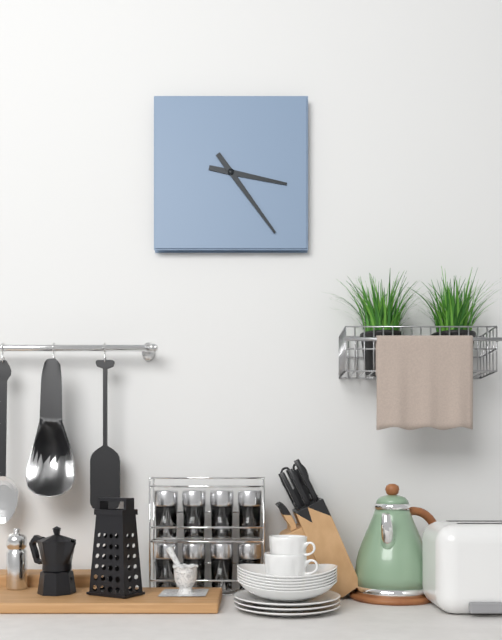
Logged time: {"hour": 3, "minute": 24}
